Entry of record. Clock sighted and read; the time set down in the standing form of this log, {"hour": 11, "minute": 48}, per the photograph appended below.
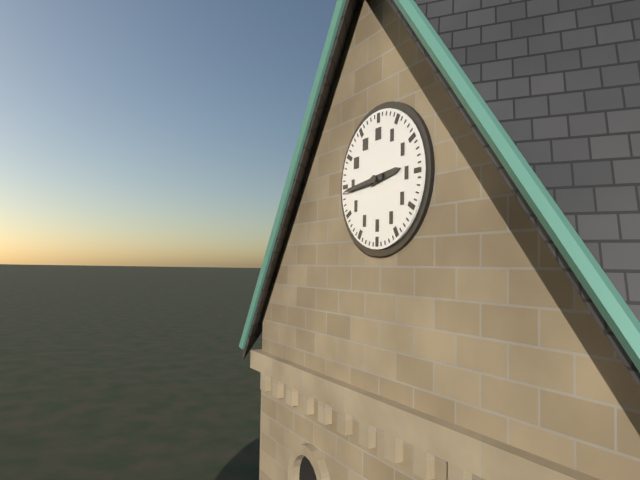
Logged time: {"hour": 2, "minute": 44}
